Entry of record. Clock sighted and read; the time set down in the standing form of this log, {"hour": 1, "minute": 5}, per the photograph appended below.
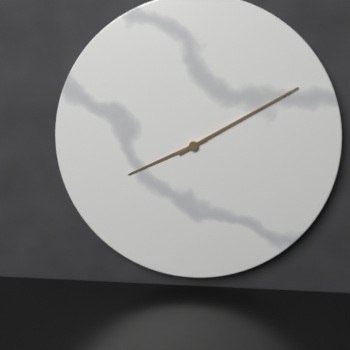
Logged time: {"hour": 8, "minute": 10}
